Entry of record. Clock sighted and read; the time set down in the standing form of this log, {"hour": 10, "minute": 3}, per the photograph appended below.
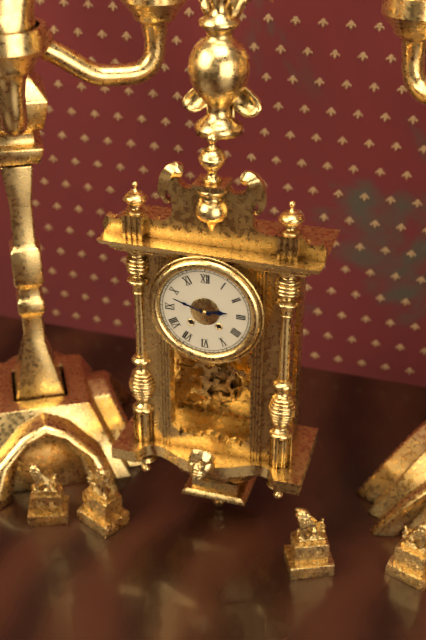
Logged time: {"hour": 2, "minute": 48}
